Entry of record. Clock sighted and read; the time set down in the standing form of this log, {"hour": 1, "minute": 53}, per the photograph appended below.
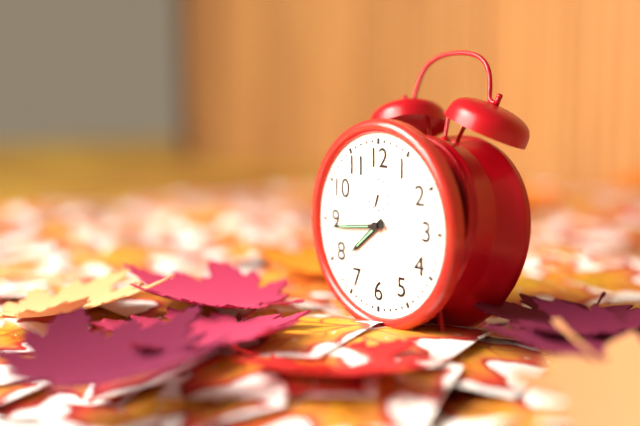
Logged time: {"hour": 7, "minute": 44}
